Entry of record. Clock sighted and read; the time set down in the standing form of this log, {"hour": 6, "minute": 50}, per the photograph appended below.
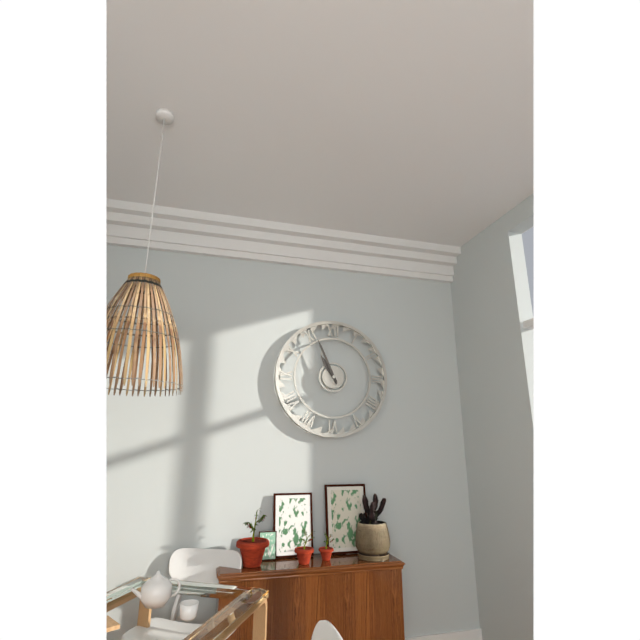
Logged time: {"hour": 10, "minute": 56}
